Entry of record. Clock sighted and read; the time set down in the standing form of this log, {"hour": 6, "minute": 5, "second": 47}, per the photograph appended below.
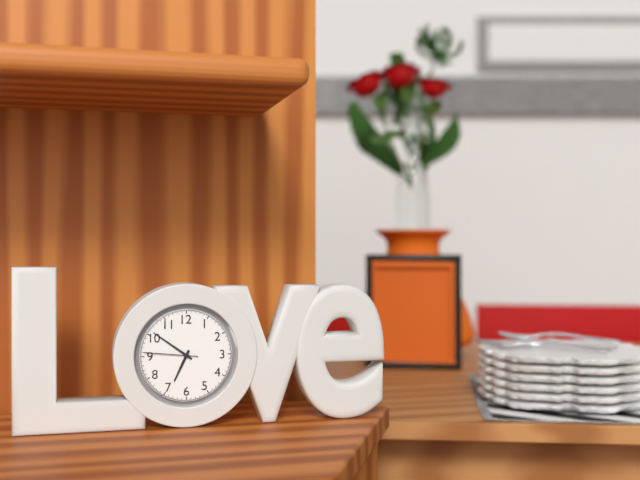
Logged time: {"hour": 6, "minute": 51, "second": 46}
